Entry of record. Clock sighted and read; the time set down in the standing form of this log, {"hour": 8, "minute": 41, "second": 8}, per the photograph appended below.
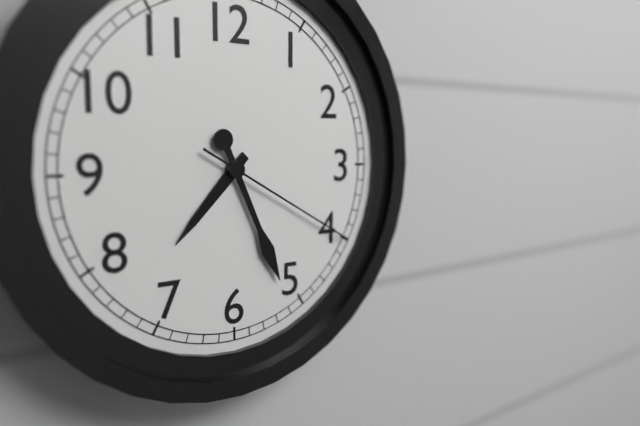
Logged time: {"hour": 7, "minute": 26, "second": 20}
